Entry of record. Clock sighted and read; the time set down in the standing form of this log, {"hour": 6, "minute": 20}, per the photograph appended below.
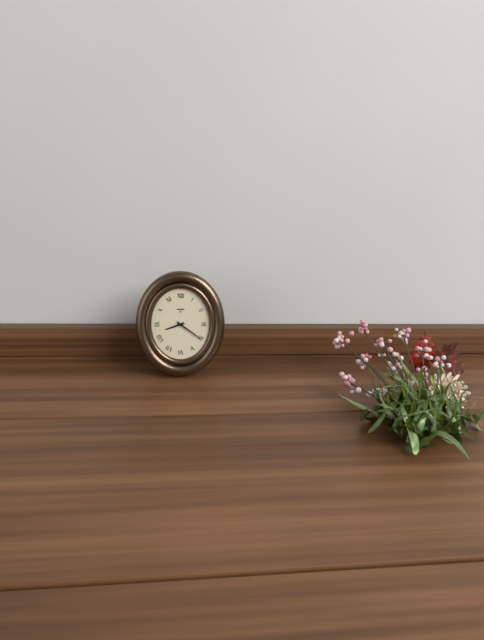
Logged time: {"hour": 8, "minute": 21}
